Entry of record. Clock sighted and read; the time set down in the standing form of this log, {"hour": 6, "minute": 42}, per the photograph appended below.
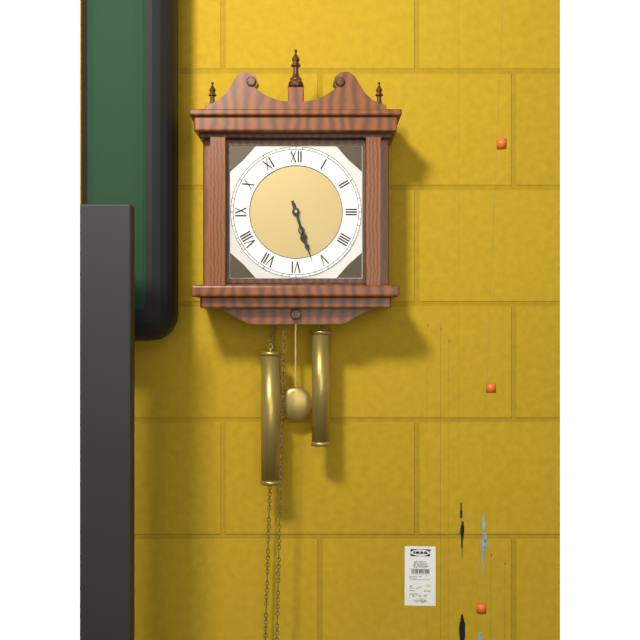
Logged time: {"hour": 5, "minute": 27}
